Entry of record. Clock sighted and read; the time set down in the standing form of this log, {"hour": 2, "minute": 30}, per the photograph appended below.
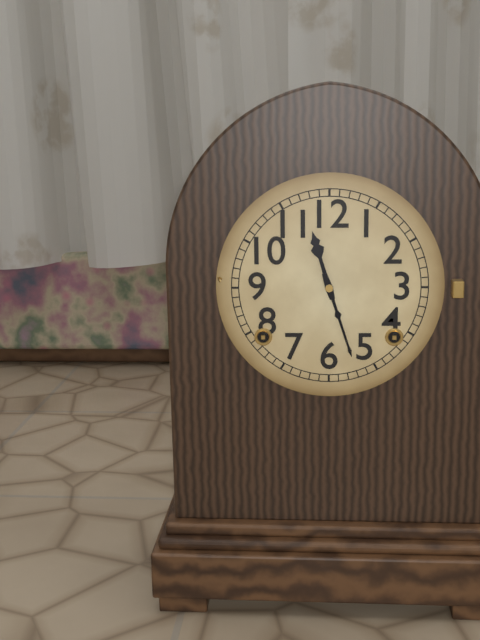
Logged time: {"hour": 11, "minute": 27}
